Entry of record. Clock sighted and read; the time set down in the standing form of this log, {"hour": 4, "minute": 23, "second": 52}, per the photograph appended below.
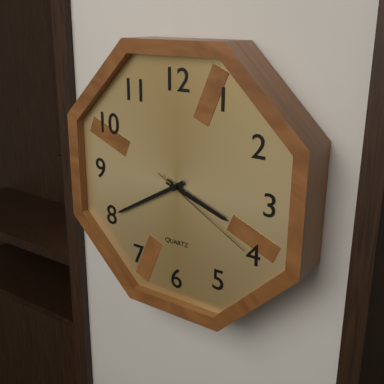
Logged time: {"hour": 3, "minute": 40, "second": 20}
